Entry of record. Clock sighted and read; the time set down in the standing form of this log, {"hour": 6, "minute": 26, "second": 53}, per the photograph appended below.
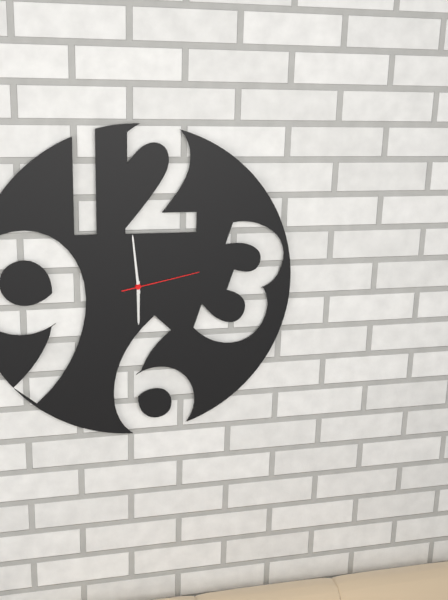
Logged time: {"hour": 5, "minute": 59, "second": 13}
